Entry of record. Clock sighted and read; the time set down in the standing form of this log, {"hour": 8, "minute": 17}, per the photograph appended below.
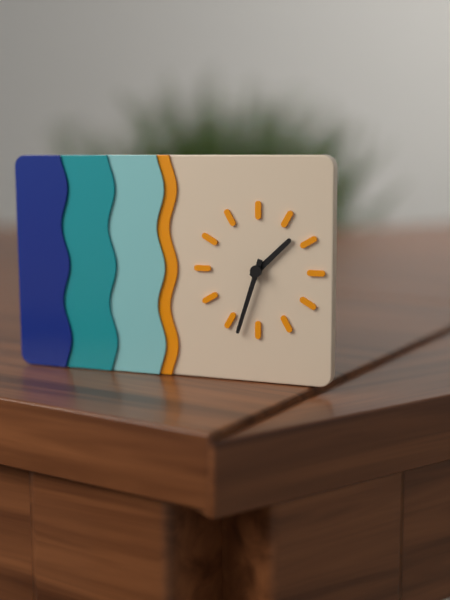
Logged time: {"hour": 1, "minute": 33}
